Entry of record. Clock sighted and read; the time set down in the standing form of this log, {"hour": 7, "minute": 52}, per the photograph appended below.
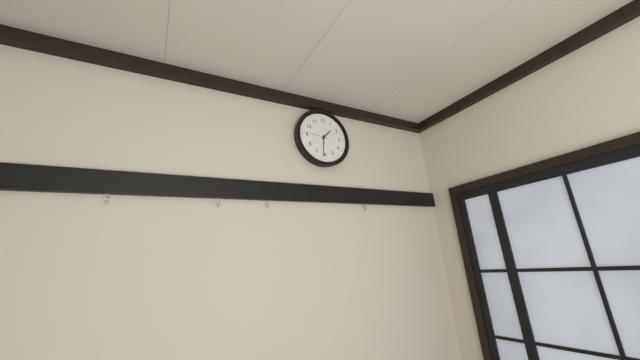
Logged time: {"hour": 1, "minute": 31}
